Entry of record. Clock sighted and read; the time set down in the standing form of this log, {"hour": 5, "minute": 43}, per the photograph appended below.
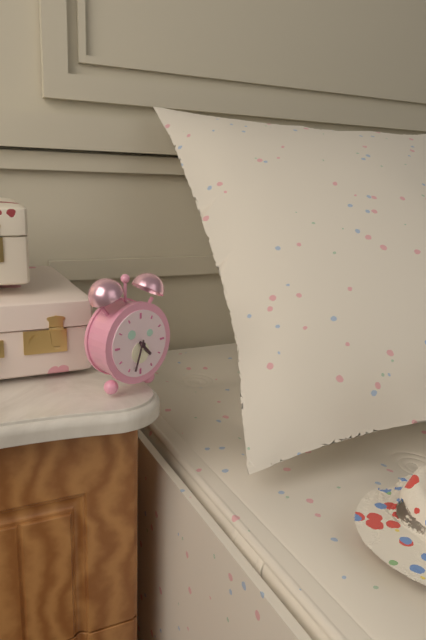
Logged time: {"hour": 4, "minute": 33}
